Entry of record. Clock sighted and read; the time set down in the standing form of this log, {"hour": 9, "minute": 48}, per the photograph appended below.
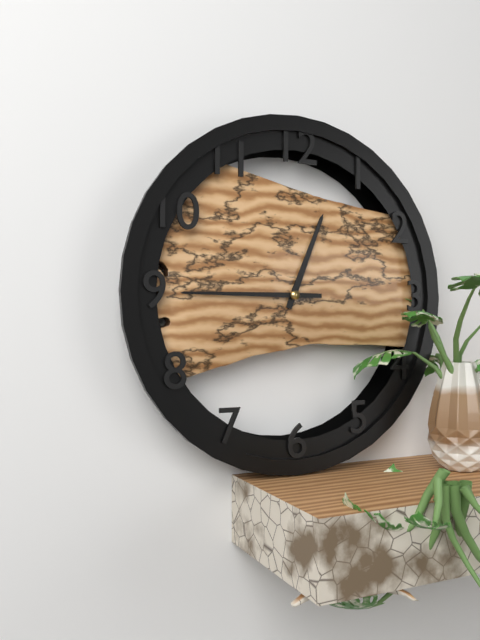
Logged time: {"hour": 12, "minute": 45}
